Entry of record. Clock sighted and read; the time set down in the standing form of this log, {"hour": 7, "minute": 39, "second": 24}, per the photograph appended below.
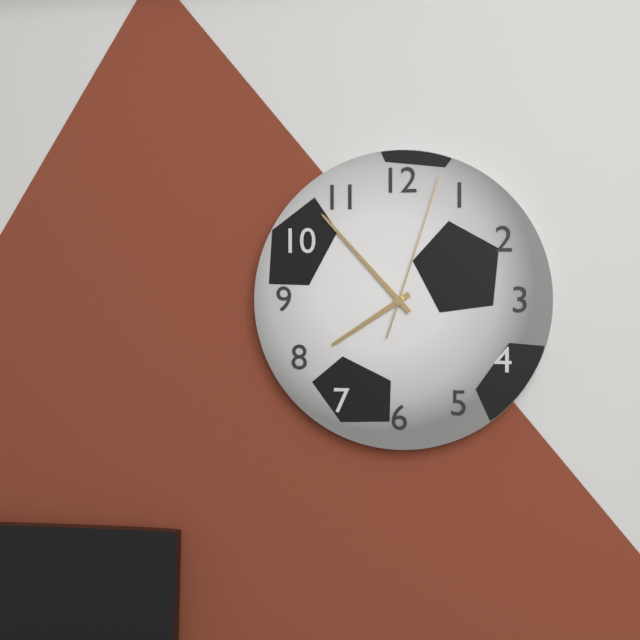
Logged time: {"hour": 7, "minute": 53, "second": 3}
